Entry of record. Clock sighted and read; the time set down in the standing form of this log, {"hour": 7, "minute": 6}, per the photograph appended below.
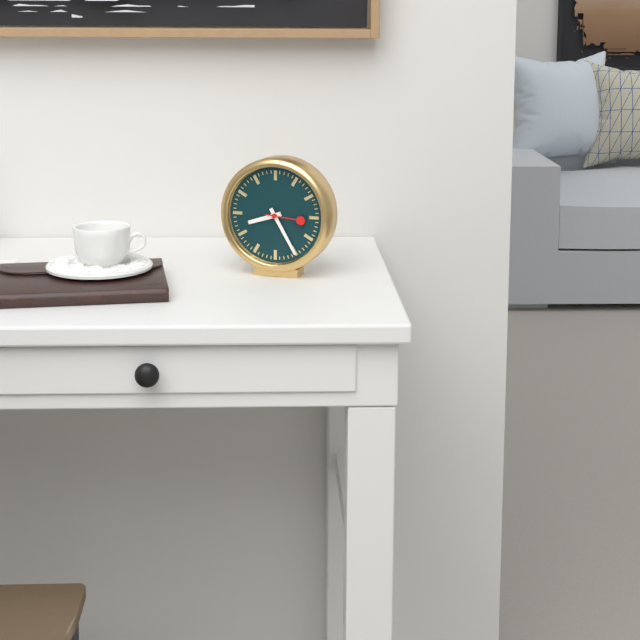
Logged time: {"hour": 8, "minute": 25}
